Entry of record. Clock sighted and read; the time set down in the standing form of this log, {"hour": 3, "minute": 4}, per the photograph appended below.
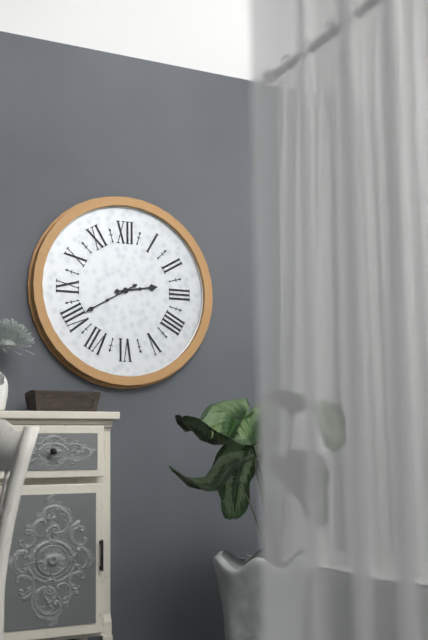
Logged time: {"hour": 2, "minute": 40}
